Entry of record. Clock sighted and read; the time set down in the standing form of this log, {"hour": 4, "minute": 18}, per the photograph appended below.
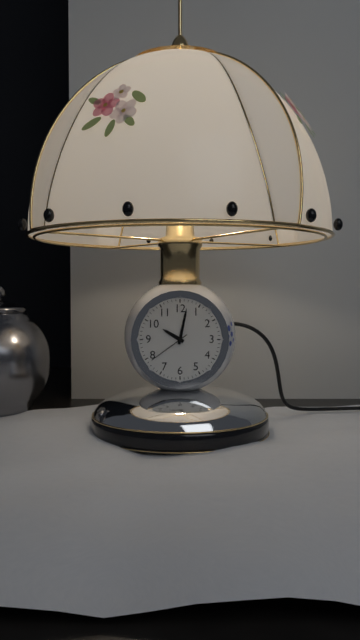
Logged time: {"hour": 10, "minute": 2}
